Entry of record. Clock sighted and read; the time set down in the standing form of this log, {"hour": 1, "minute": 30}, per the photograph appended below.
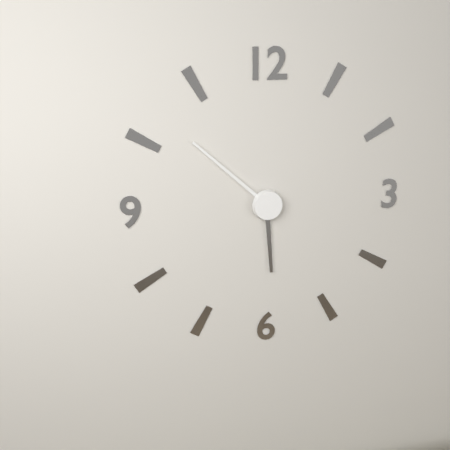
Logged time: {"hour": 5, "minute": 52}
